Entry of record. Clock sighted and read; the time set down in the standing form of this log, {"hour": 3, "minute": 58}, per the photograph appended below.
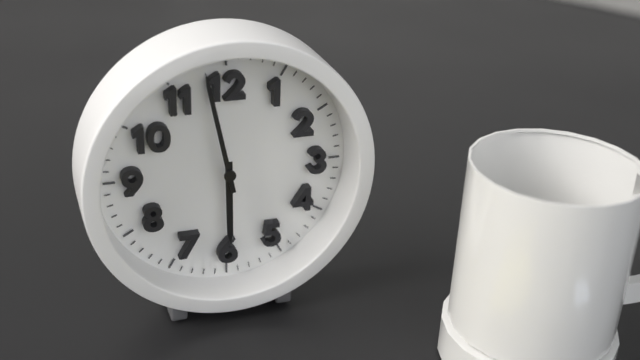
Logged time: {"hour": 5, "minute": 58}
